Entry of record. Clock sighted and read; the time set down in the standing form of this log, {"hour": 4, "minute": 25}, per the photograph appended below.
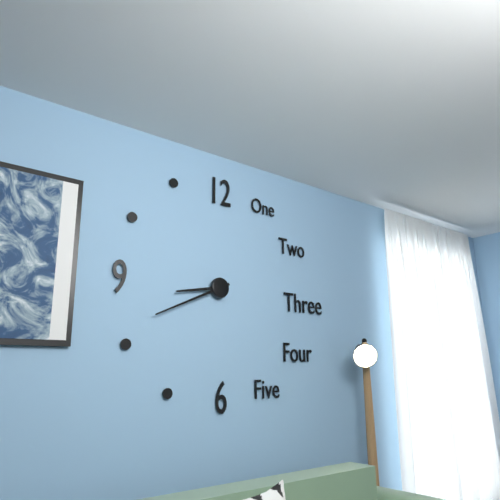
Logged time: {"hour": 8, "minute": 41}
